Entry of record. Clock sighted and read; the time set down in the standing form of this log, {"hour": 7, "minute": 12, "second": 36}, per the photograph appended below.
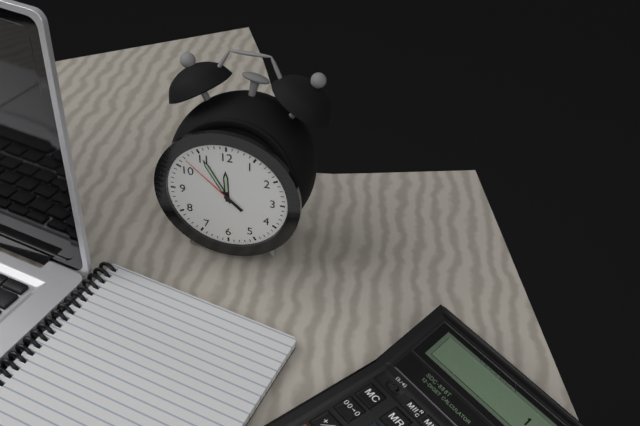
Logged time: {"hour": 11, "minute": 55, "second": 52}
